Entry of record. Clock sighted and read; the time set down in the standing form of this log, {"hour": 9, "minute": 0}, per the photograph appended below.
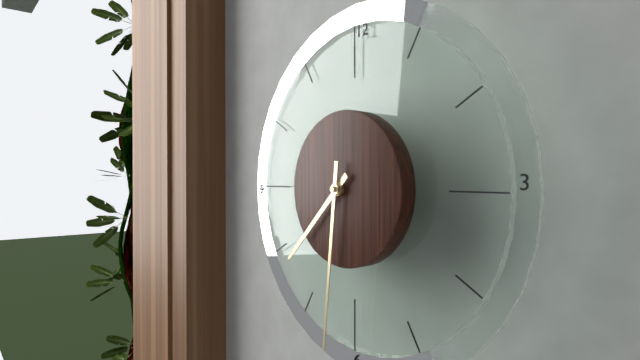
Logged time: {"hour": 7, "minute": 31}
